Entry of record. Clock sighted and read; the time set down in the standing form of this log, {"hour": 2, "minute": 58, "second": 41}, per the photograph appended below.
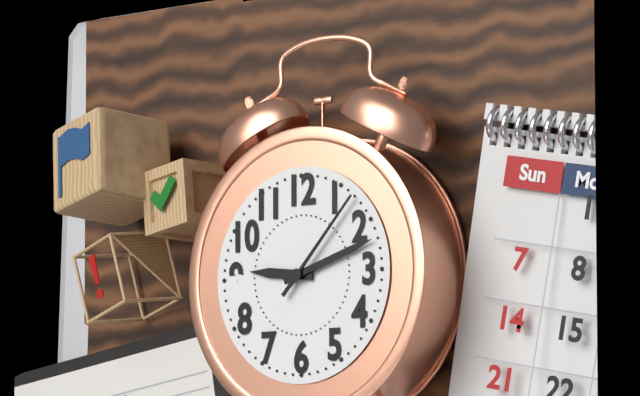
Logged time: {"hour": 9, "minute": 12, "second": 7}
